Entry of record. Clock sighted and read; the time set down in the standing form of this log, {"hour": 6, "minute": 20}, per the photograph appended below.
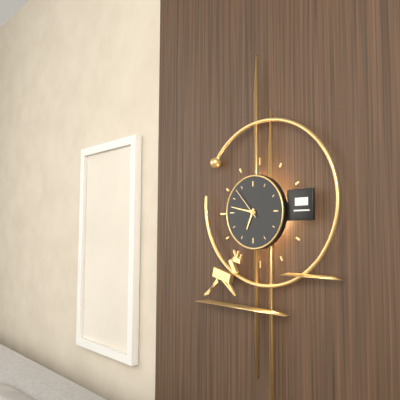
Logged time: {"hour": 6, "minute": 47}
